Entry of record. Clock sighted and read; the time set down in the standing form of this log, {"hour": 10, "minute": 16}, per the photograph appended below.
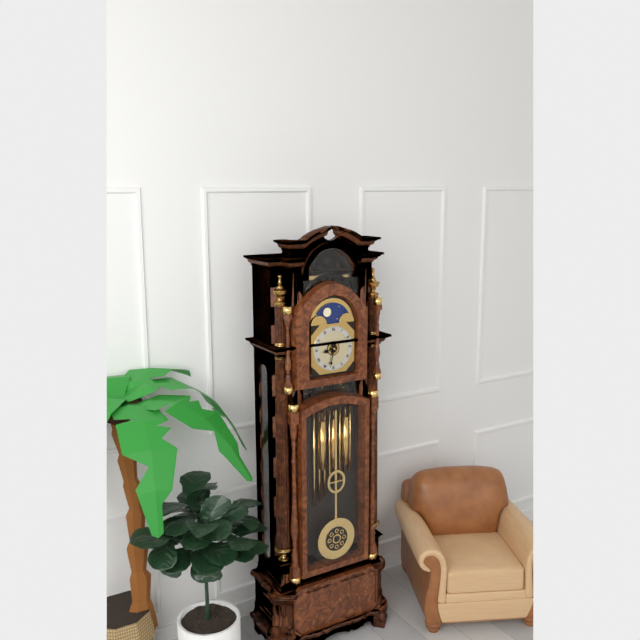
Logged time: {"hour": 8, "minute": 32}
